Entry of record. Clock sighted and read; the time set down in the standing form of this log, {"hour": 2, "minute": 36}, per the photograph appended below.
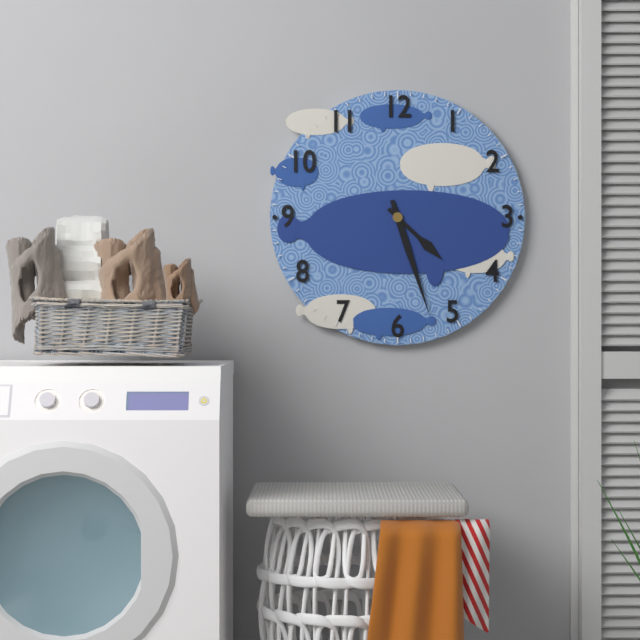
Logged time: {"hour": 4, "minute": 27}
